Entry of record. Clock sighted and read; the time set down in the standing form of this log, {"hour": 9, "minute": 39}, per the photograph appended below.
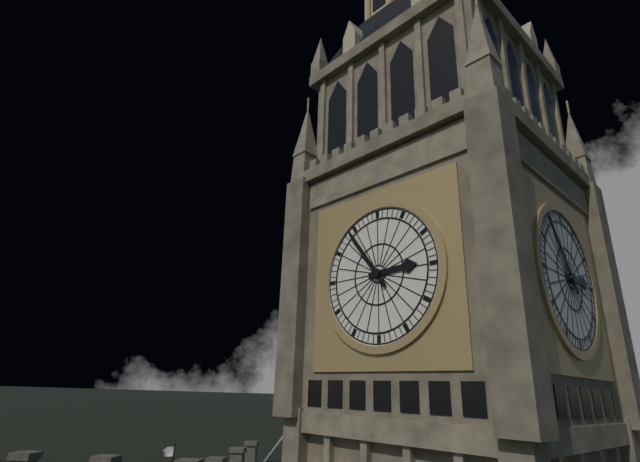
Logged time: {"hour": 2, "minute": 54}
